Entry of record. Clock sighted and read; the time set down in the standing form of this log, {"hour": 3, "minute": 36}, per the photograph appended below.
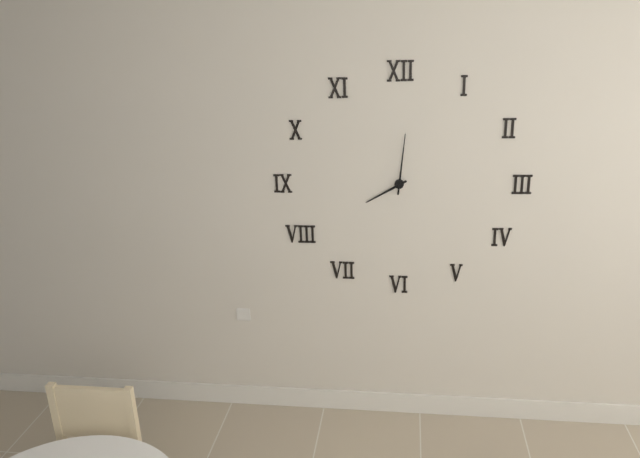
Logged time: {"hour": 8, "minute": 1}
